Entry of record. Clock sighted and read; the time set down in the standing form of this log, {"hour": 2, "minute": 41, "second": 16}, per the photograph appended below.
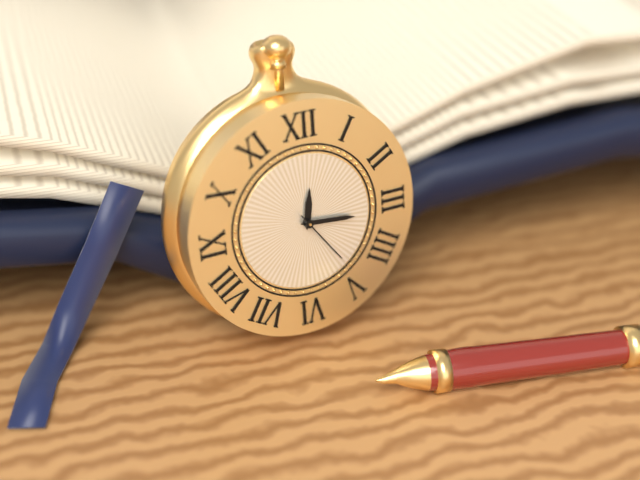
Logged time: {"hour": 12, "minute": 16, "second": 24}
